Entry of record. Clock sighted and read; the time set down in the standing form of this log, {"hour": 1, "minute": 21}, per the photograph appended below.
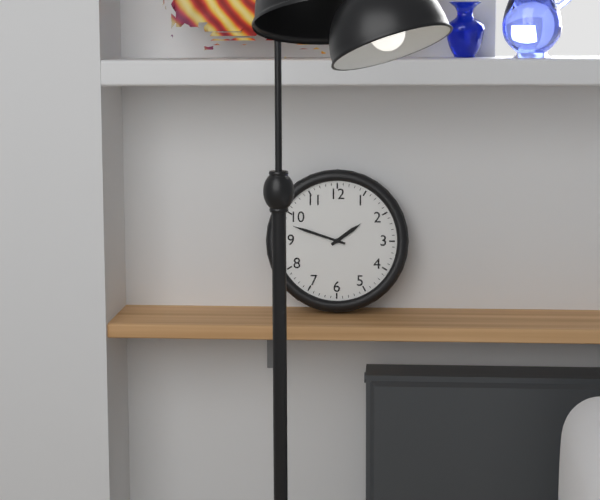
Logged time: {"hour": 1, "minute": 48}
